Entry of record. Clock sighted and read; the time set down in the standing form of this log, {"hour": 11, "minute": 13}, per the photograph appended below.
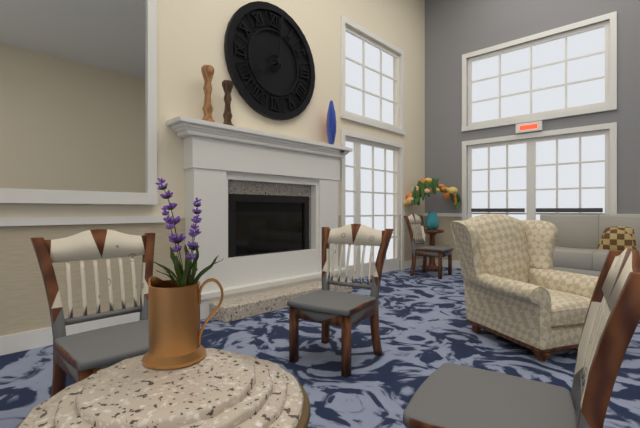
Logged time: {"hour": 8, "minute": 1}
